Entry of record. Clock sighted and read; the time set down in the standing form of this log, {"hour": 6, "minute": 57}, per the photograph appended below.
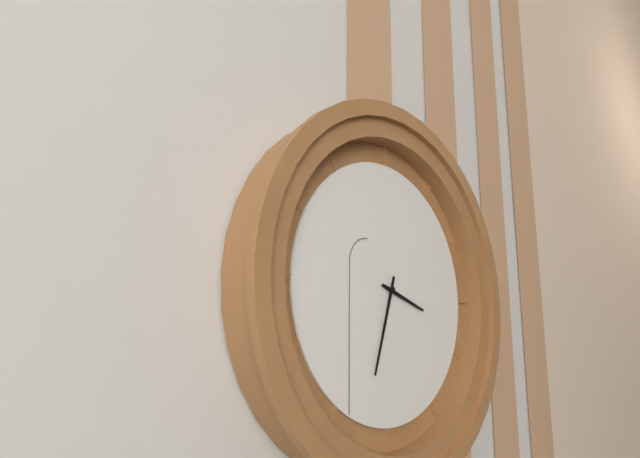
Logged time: {"hour": 3, "minute": 33}
